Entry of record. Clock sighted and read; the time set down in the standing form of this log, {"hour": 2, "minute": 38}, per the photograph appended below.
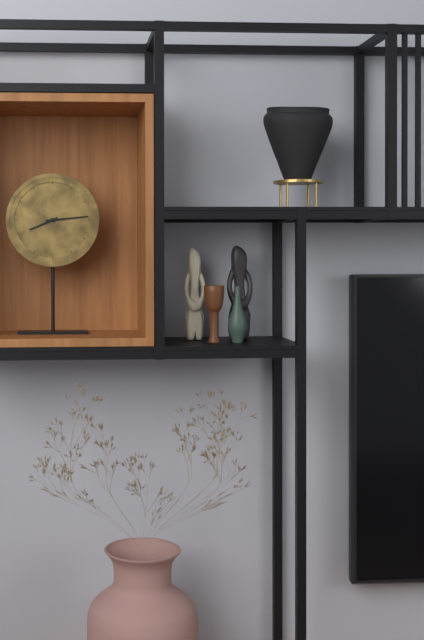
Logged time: {"hour": 8, "minute": 14}
